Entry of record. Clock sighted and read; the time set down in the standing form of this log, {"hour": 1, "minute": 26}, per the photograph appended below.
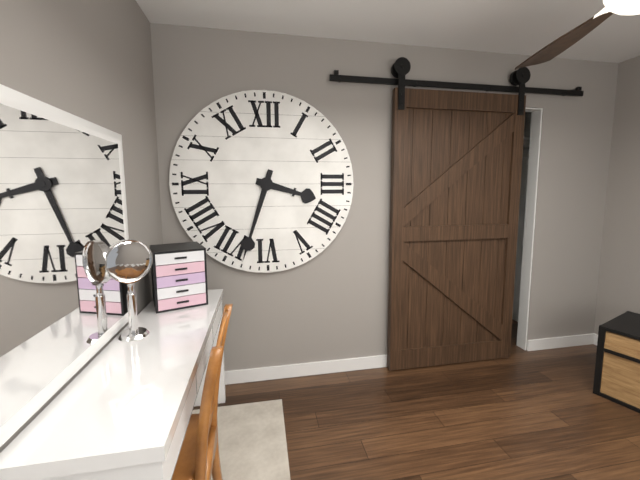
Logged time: {"hour": 3, "minute": 33}
